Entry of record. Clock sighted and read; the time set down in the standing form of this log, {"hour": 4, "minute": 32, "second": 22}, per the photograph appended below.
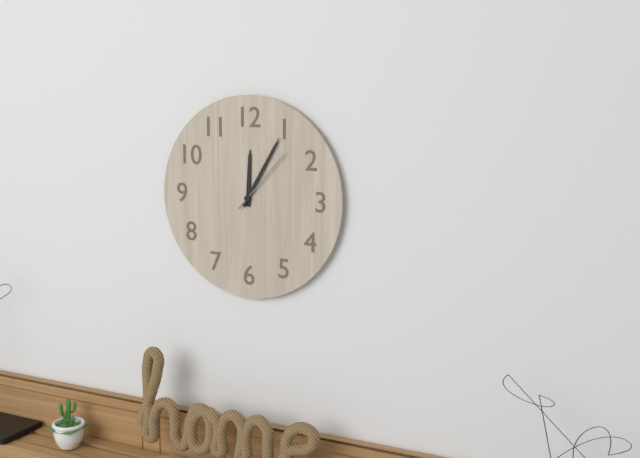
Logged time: {"hour": 12, "minute": 5, "second": 7}
